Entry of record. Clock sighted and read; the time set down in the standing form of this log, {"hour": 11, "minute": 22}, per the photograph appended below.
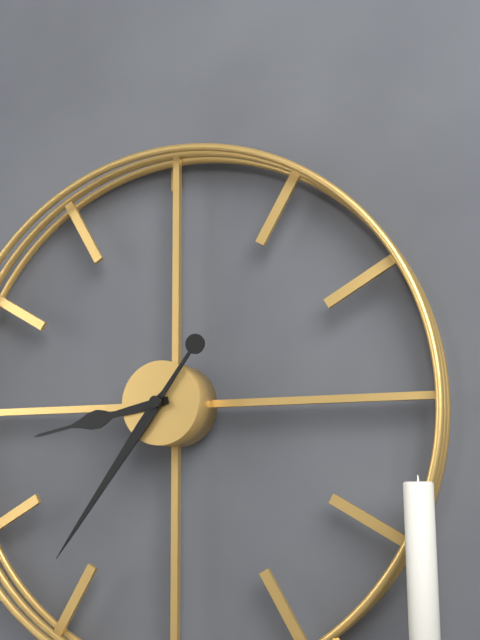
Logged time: {"hour": 8, "minute": 36}
